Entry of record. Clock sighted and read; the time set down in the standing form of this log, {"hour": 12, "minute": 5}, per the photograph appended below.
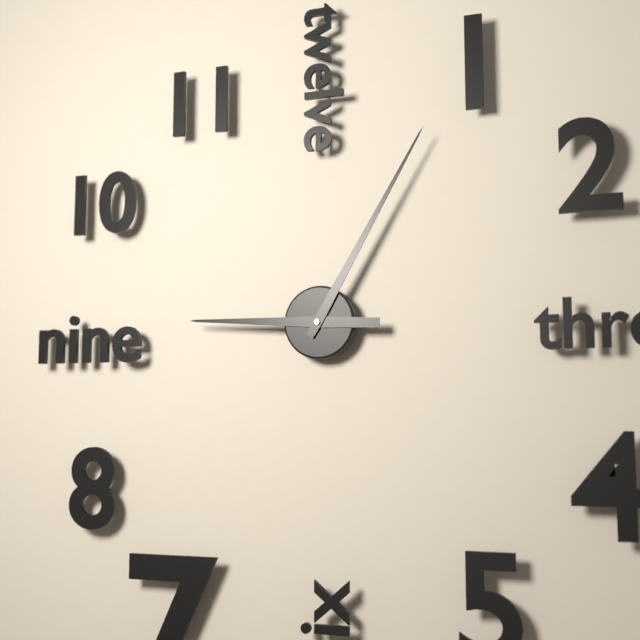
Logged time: {"hour": 9, "minute": 5}
